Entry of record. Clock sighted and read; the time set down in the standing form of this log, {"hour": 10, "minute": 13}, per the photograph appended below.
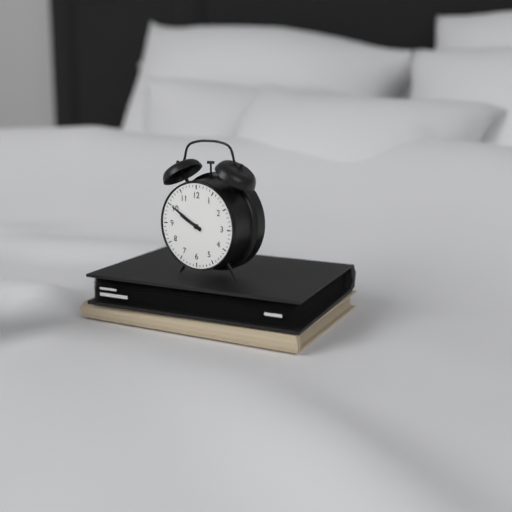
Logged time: {"hour": 9, "minute": 50}
